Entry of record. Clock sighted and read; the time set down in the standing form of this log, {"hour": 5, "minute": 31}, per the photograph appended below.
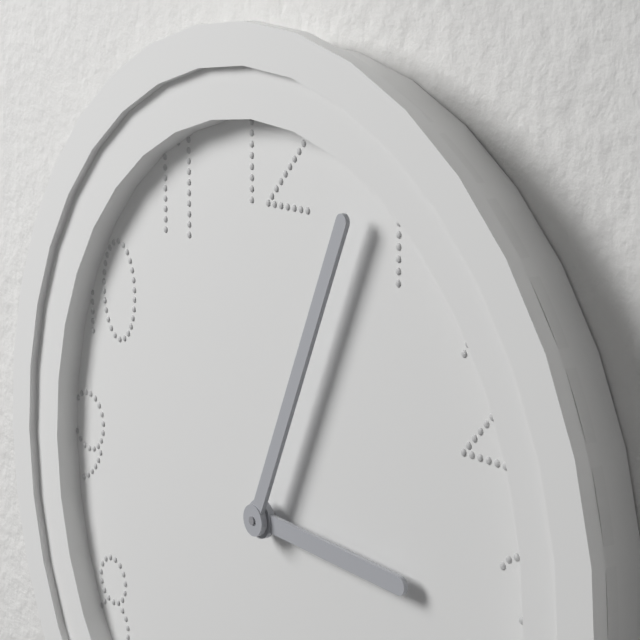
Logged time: {"hour": 3, "minute": 4}
